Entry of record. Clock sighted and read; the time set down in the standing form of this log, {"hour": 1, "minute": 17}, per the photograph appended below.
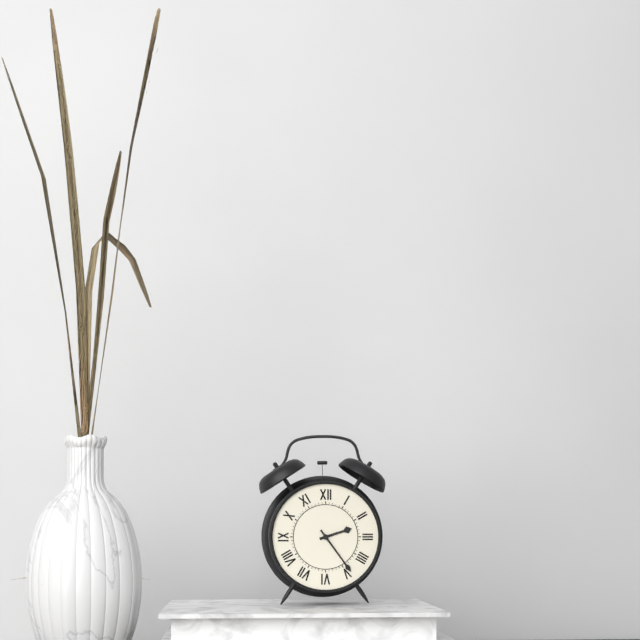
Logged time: {"hour": 2, "minute": 24}
